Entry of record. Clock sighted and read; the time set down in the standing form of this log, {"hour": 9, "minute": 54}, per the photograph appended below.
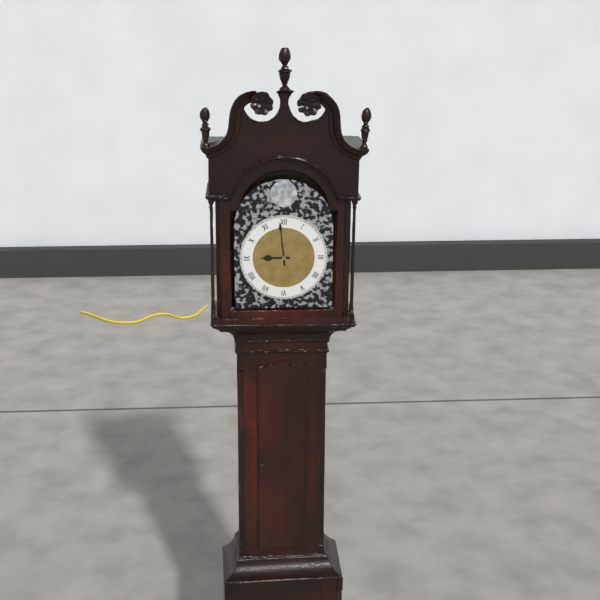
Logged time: {"hour": 8, "minute": 59}
